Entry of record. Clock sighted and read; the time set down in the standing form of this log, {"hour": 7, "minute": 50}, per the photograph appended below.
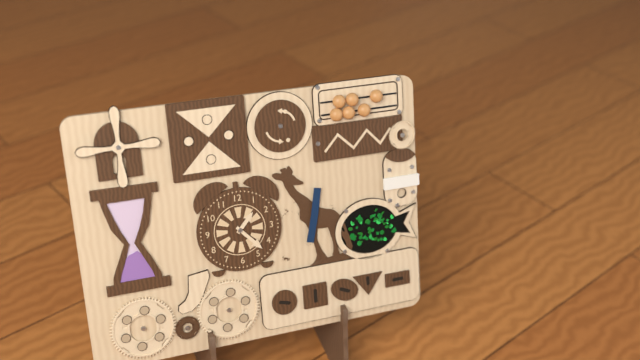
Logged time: {"hour": 1, "minute": 23}
